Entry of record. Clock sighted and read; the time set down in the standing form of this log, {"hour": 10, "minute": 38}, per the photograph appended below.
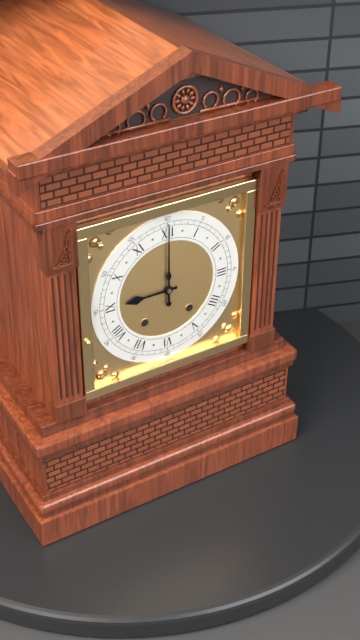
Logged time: {"hour": 9, "minute": 0}
